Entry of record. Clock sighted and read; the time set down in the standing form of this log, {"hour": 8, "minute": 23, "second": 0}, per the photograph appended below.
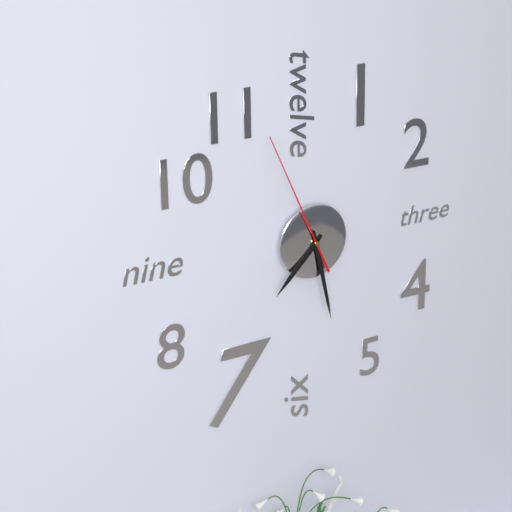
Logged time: {"hour": 7, "minute": 28, "second": 56}
